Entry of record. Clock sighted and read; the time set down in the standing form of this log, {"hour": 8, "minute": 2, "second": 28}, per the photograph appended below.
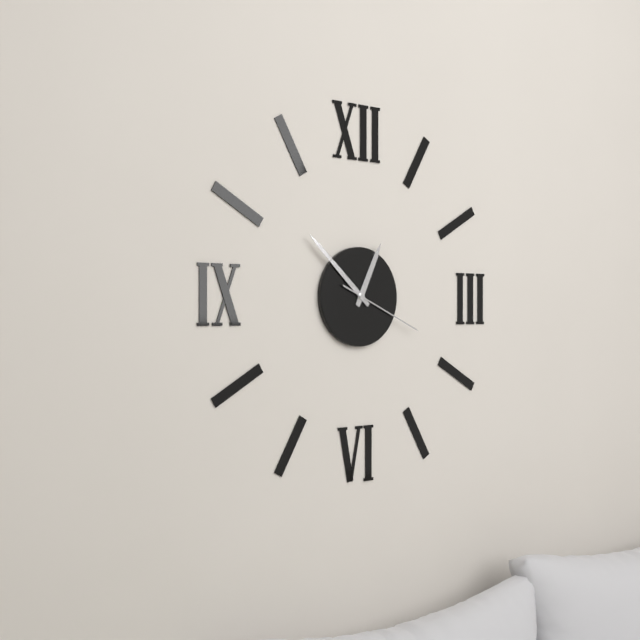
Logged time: {"hour": 12, "minute": 52, "second": 19}
